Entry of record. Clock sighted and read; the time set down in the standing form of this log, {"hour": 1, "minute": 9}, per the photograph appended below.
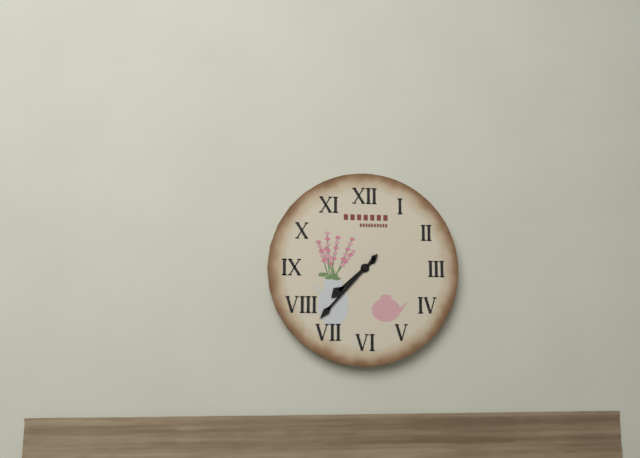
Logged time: {"hour": 7, "minute": 37}
